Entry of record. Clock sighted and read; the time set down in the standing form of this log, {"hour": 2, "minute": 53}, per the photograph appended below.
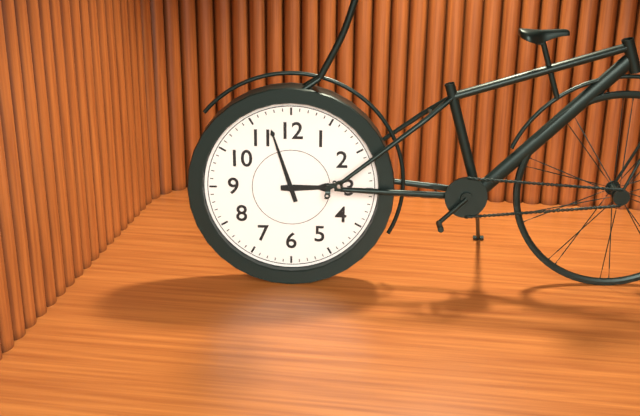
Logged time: {"hour": 2, "minute": 57}
